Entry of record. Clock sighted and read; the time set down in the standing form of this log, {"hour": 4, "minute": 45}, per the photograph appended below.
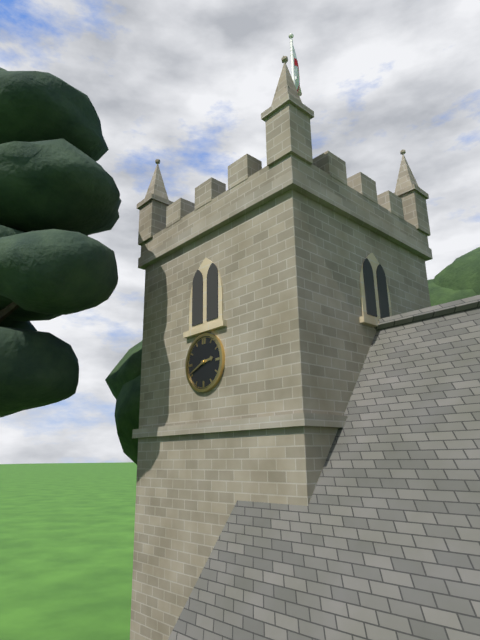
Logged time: {"hour": 2, "minute": 41}
